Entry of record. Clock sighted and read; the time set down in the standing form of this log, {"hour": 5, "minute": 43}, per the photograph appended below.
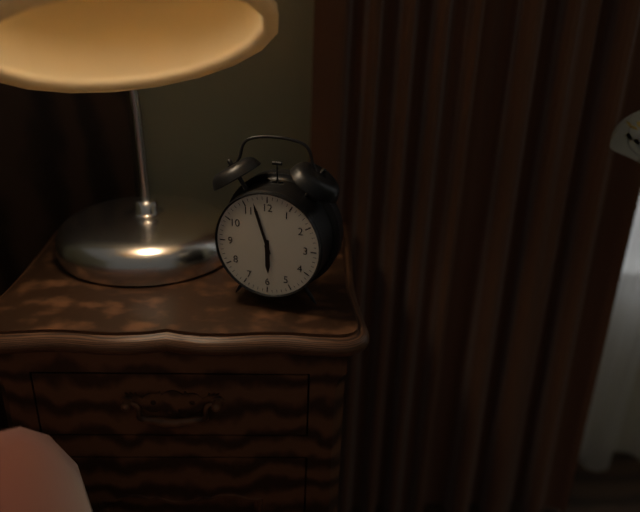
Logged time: {"hour": 5, "minute": 57}
